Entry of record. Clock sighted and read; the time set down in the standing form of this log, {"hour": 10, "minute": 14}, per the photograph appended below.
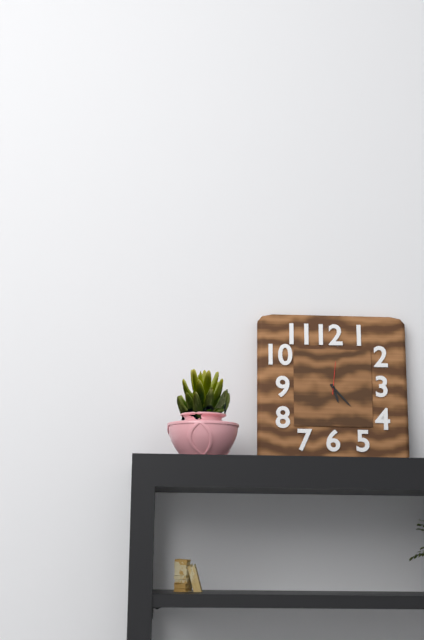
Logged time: {"hour": 5, "minute": 23}
